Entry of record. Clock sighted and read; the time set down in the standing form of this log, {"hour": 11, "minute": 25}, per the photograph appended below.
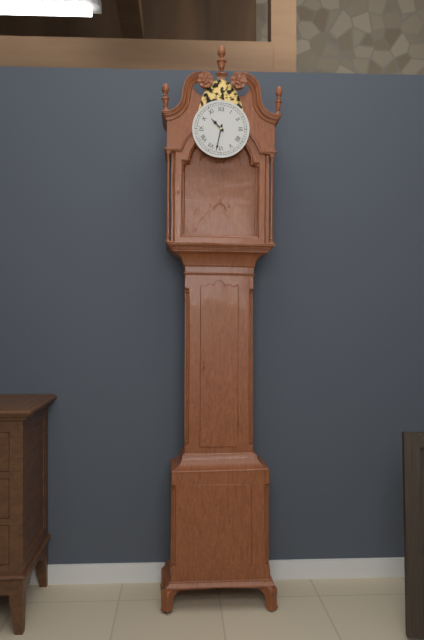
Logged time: {"hour": 10, "minute": 32}
